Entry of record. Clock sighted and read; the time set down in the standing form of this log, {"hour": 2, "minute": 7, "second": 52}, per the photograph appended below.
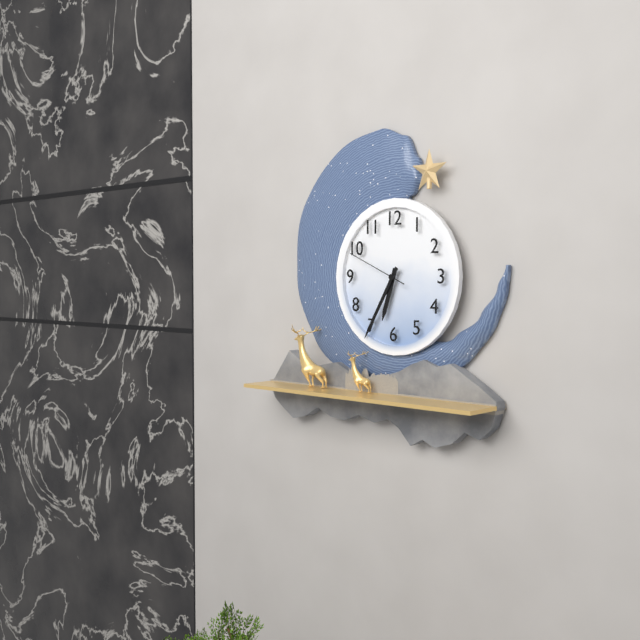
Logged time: {"hour": 6, "minute": 35, "second": 49}
